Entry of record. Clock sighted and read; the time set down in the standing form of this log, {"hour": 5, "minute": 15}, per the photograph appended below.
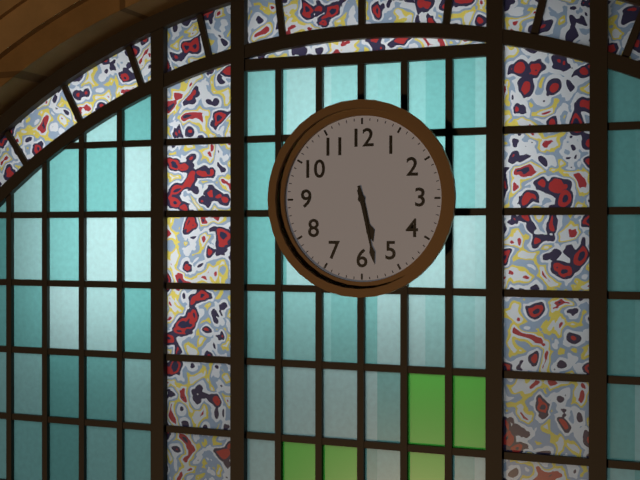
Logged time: {"hour": 5, "minute": 28}
